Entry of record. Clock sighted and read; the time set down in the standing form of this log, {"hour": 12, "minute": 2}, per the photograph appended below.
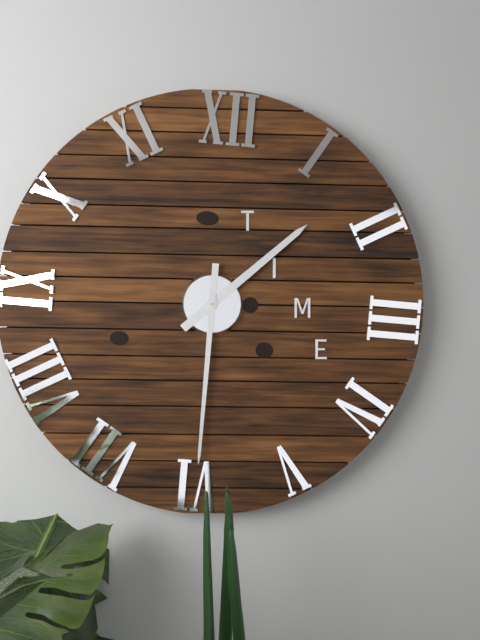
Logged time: {"hour": 1, "minute": 30}
